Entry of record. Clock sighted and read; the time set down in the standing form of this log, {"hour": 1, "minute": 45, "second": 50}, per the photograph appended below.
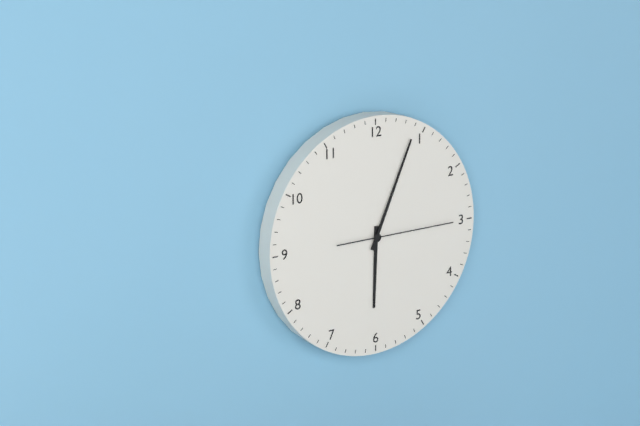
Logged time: {"hour": 6, "minute": 4, "second": 15}
